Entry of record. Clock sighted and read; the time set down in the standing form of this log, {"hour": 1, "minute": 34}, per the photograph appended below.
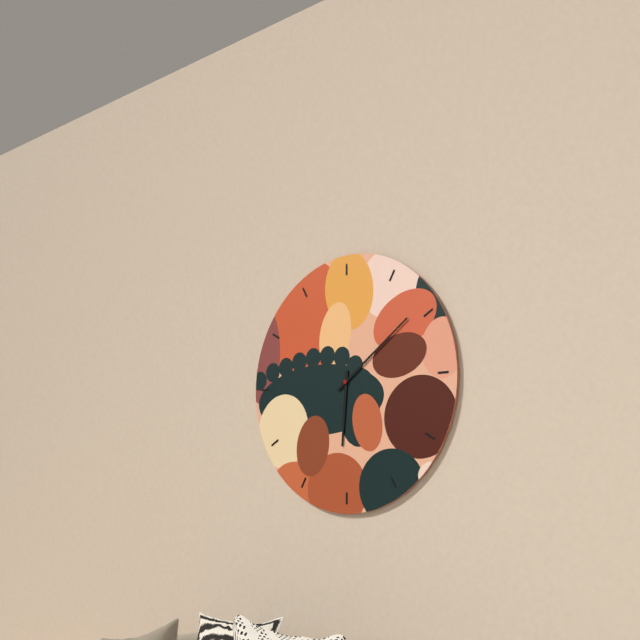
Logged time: {"hour": 6, "minute": 9}
